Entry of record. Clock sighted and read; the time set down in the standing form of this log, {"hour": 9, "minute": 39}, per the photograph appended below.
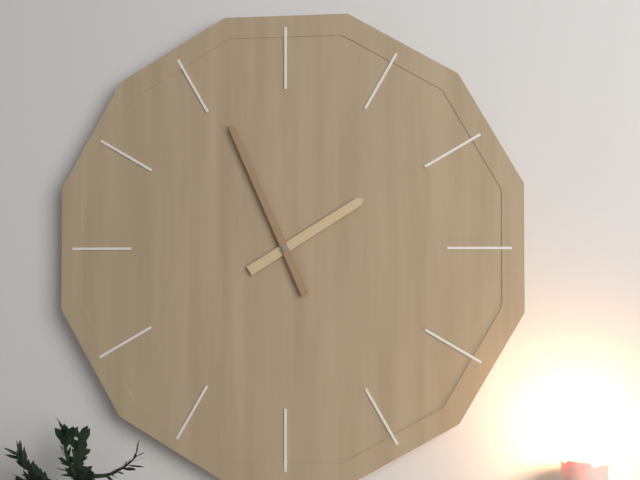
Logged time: {"hour": 1, "minute": 56}
